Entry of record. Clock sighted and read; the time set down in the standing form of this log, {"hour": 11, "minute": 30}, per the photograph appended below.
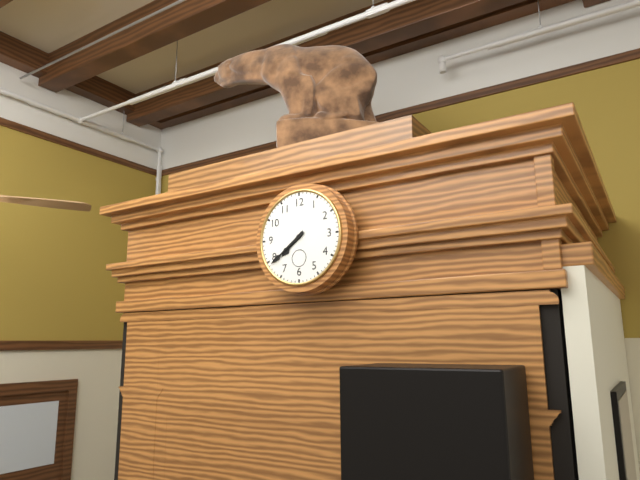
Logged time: {"hour": 7, "minute": 39}
